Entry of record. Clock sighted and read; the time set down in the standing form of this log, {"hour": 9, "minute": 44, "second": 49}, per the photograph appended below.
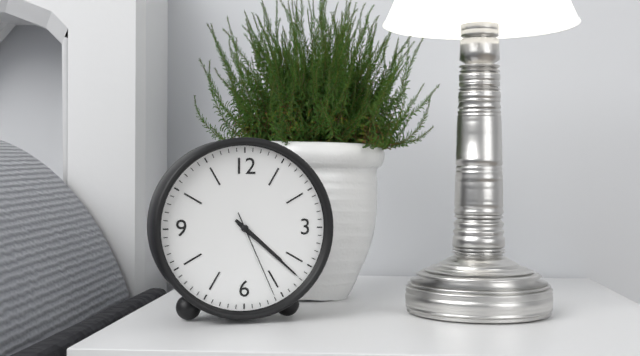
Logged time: {"hour": 4, "minute": 22, "second": 26}
